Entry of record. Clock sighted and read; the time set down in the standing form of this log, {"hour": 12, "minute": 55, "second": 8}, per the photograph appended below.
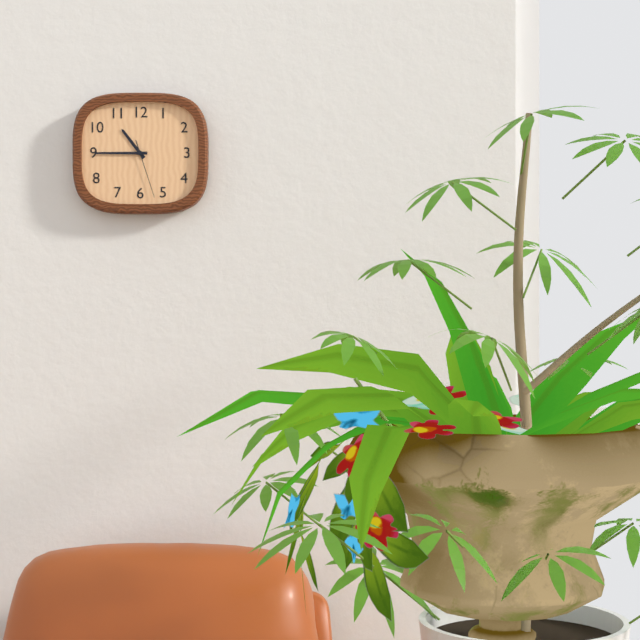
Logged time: {"hour": 10, "minute": 45, "second": 27}
